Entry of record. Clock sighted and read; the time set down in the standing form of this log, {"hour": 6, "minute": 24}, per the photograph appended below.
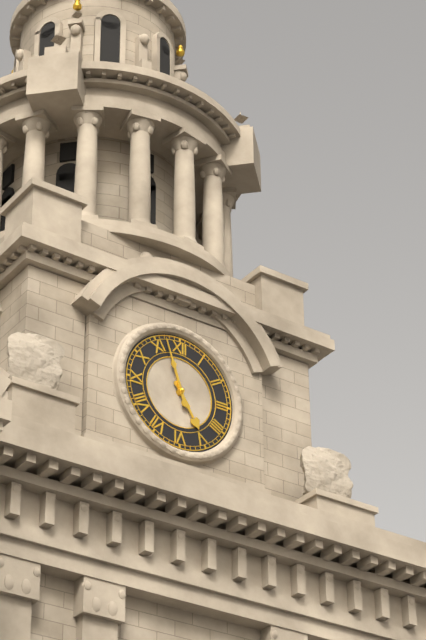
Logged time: {"hour": 4, "minute": 57}
